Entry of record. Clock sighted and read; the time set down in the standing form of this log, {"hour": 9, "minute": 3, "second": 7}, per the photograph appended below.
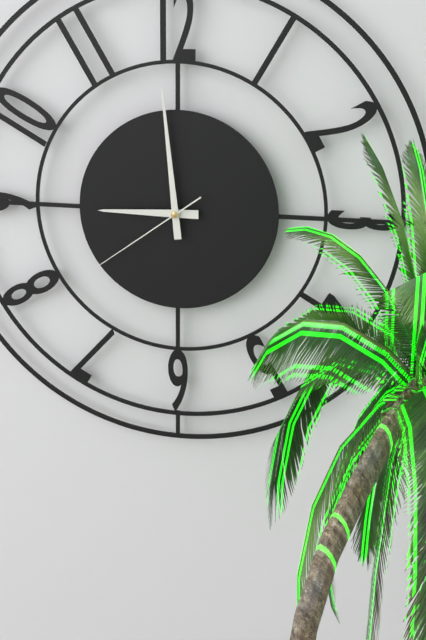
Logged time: {"hour": 8, "minute": 59, "second": 39}
